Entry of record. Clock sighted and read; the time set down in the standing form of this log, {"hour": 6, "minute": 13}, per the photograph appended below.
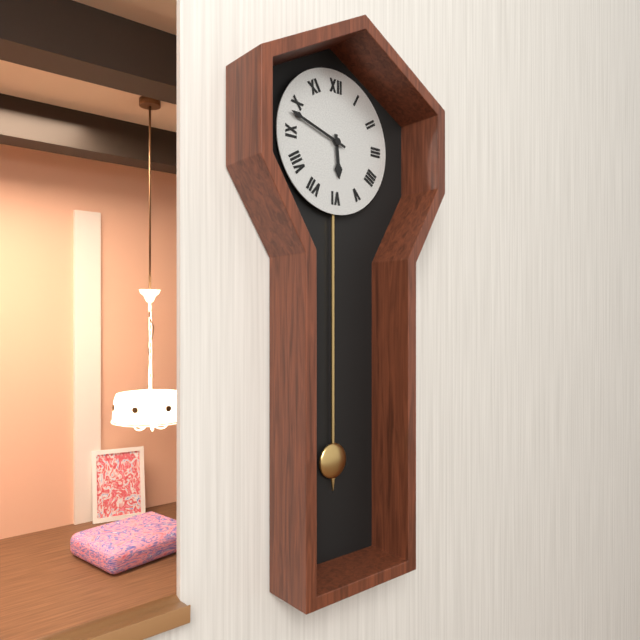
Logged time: {"hour": 5, "minute": 48}
